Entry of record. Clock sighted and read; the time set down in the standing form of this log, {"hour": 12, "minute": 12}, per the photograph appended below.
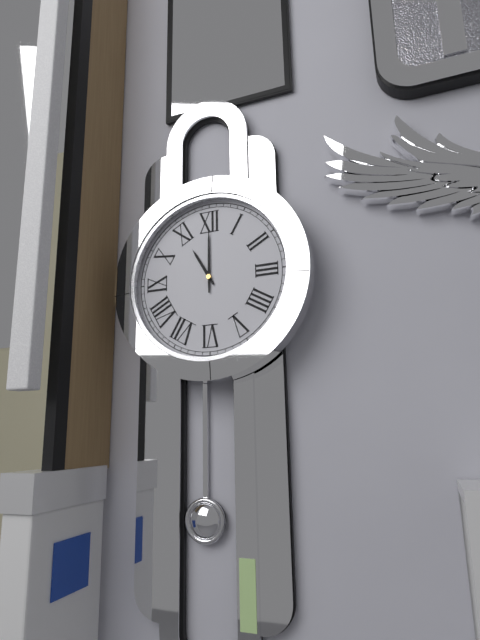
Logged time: {"hour": 11, "minute": 0}
